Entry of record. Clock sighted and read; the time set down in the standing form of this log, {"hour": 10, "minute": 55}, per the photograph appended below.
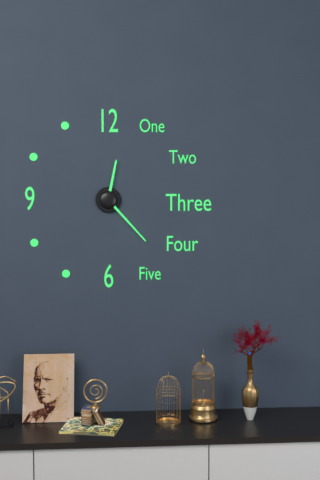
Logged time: {"hour": 12, "minute": 23}
